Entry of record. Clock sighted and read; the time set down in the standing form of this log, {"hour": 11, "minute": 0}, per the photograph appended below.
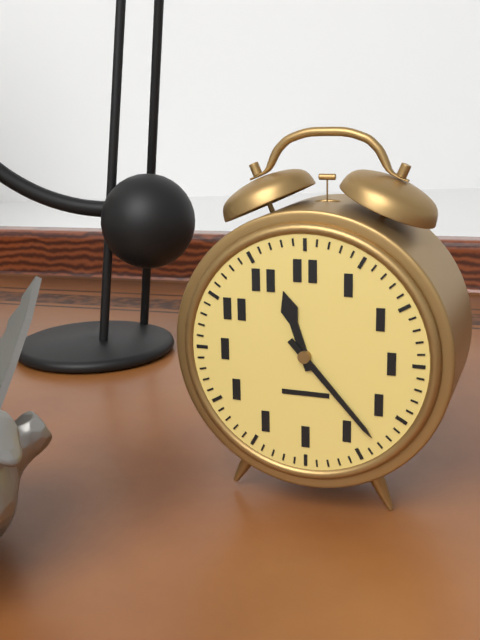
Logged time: {"hour": 11, "minute": 23}
